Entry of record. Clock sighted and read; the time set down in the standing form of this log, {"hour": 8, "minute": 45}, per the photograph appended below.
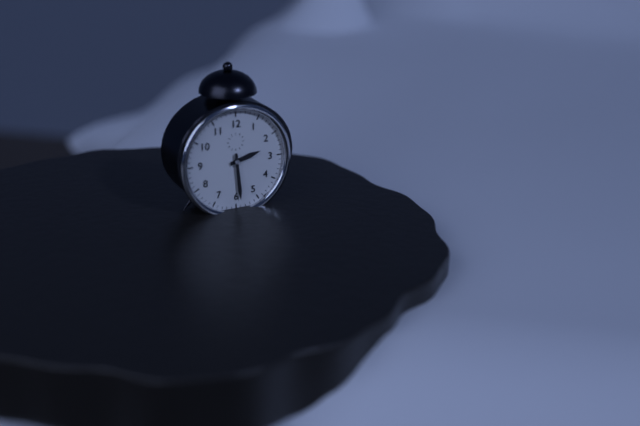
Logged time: {"hour": 2, "minute": 29}
